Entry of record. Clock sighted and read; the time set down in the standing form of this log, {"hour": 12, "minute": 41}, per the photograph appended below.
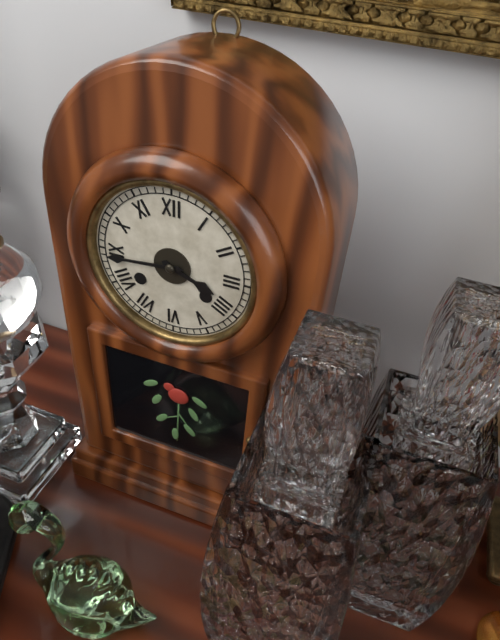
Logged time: {"hour": 3, "minute": 44}
